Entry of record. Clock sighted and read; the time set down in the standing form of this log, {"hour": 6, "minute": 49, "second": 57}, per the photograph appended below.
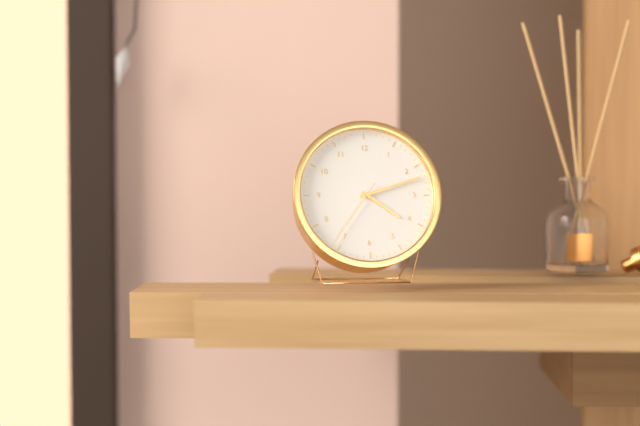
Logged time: {"hour": 4, "minute": 12, "second": 36}
